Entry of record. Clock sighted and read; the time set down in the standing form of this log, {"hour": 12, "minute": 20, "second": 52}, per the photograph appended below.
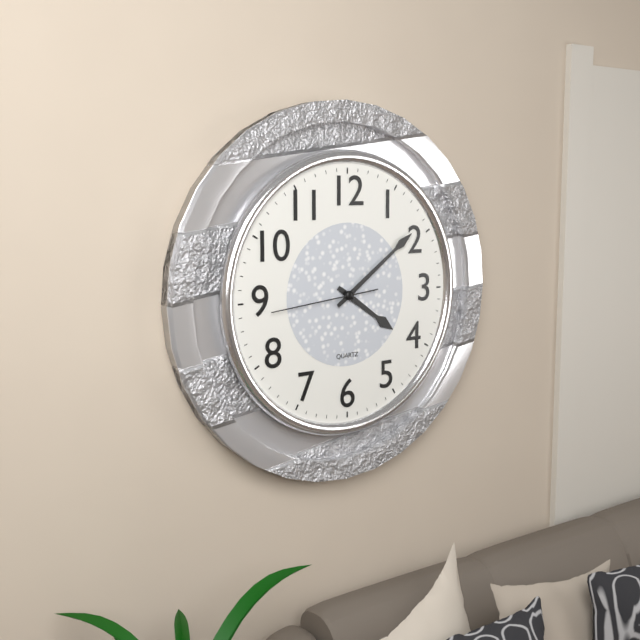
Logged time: {"hour": 4, "minute": 9, "second": 44}
